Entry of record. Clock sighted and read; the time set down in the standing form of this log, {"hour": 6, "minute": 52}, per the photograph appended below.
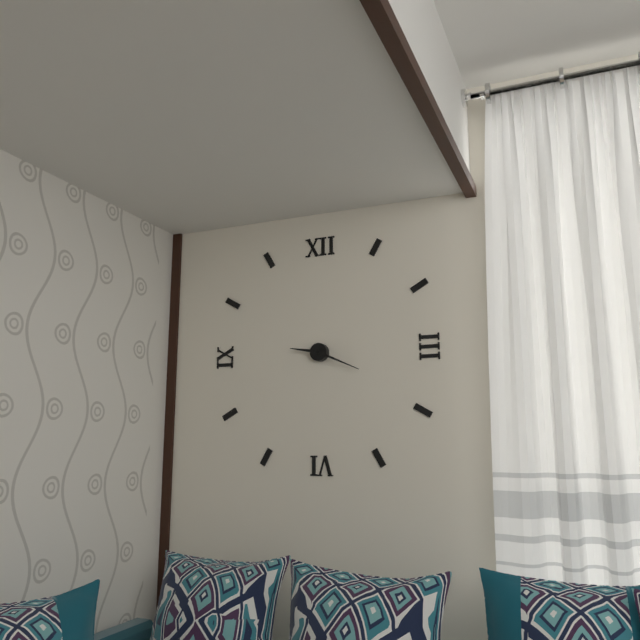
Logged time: {"hour": 9, "minute": 19}
